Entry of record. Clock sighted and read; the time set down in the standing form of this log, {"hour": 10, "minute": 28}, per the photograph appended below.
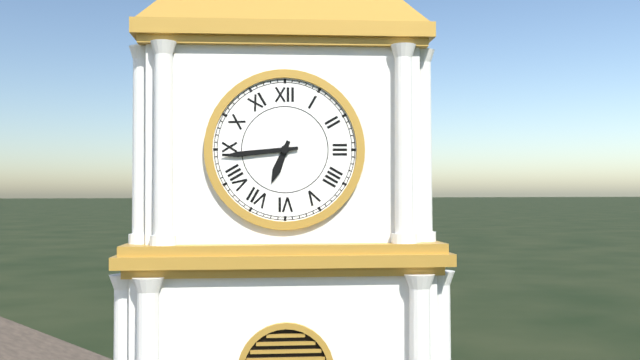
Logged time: {"hour": 6, "minute": 44}
